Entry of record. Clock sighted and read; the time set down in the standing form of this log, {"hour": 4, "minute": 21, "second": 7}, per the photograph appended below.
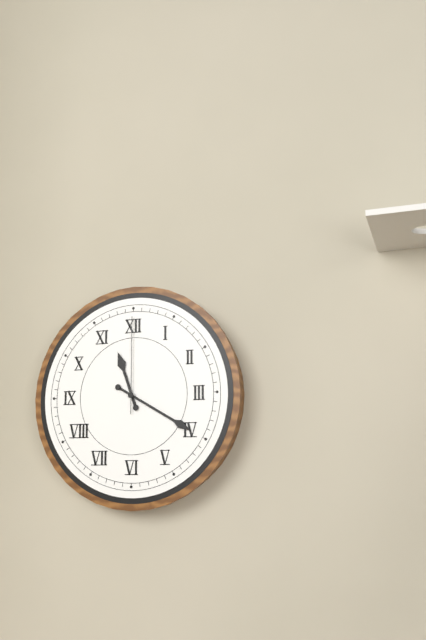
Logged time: {"hour": 11, "minute": 20, "second": 0}
